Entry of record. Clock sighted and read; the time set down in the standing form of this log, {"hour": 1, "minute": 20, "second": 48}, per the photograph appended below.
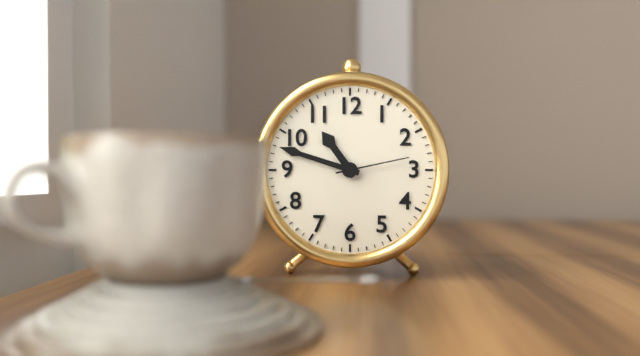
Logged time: {"hour": 10, "minute": 48, "second": 13}
